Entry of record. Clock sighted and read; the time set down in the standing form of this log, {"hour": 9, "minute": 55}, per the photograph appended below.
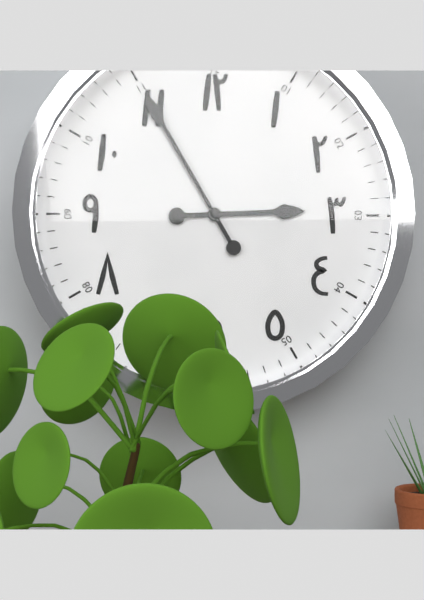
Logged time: {"hour": 2, "minute": 55}
